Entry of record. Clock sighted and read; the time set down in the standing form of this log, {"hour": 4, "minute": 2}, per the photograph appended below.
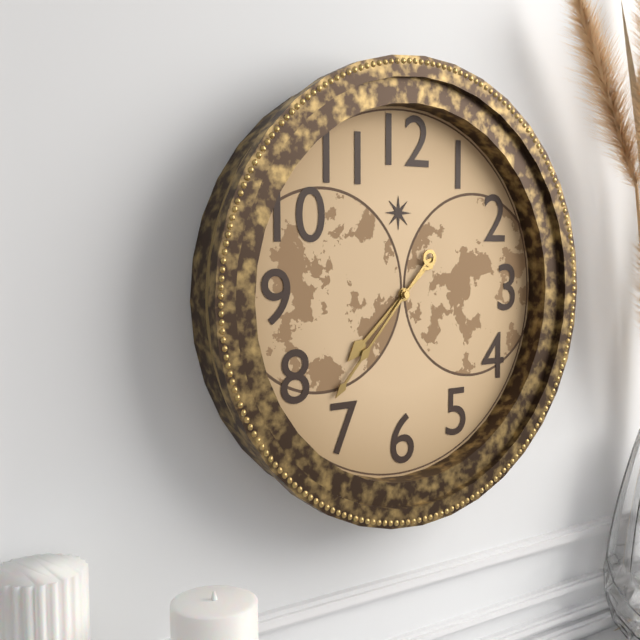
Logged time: {"hour": 7, "minute": 37}
